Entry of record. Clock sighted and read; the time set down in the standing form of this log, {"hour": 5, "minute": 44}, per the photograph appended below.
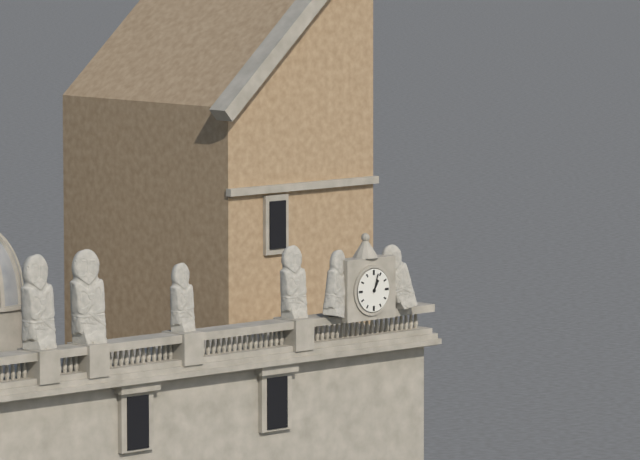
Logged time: {"hour": 1, "minute": 3}
